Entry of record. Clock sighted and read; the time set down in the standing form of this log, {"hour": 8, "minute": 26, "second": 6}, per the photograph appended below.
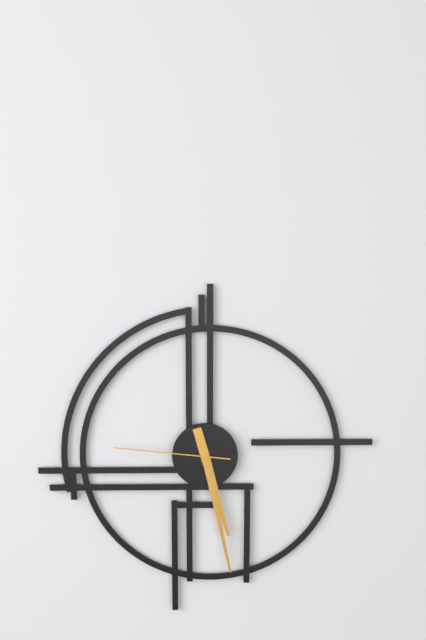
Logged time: {"hour": 5, "minute": 28, "second": 46}
